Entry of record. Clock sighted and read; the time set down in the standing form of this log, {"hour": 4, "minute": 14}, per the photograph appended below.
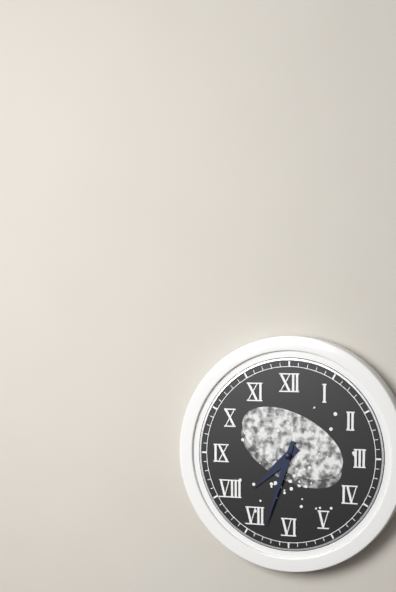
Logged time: {"hour": 7, "minute": 33}
